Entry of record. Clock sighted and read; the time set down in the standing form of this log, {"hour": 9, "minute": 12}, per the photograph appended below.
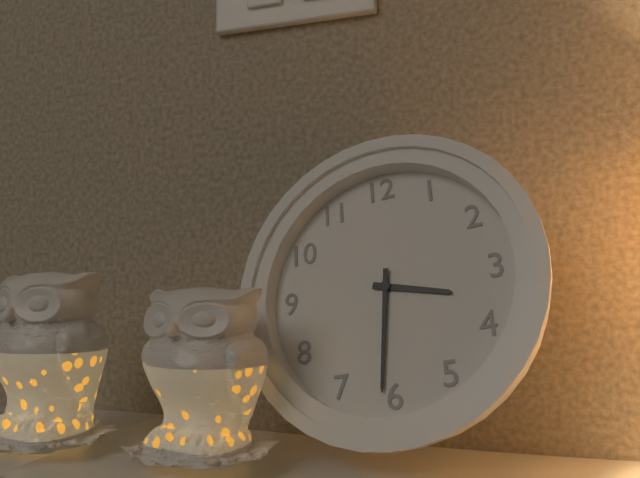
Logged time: {"hour": 3, "minute": 31}
